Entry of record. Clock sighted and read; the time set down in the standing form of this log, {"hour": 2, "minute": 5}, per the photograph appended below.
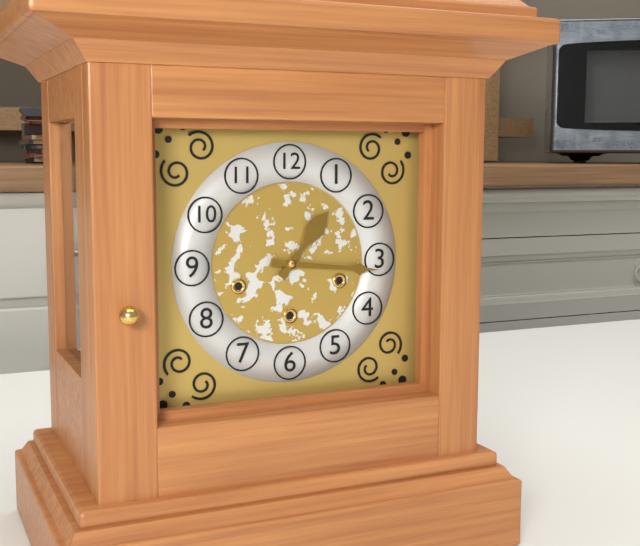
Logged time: {"hour": 1, "minute": 16}
